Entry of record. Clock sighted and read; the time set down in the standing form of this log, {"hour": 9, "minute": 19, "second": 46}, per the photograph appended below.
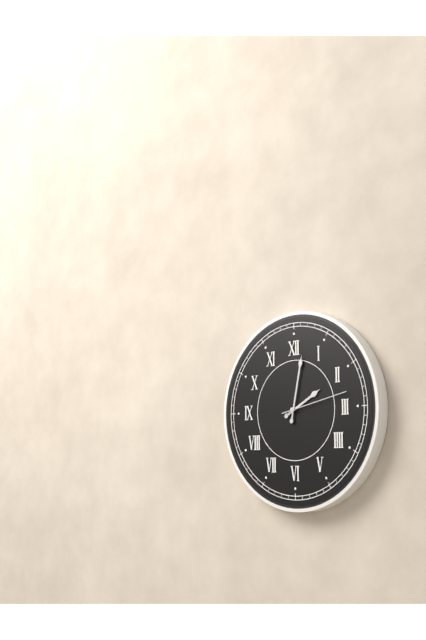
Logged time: {"hour": 2, "minute": 2, "second": 13}
